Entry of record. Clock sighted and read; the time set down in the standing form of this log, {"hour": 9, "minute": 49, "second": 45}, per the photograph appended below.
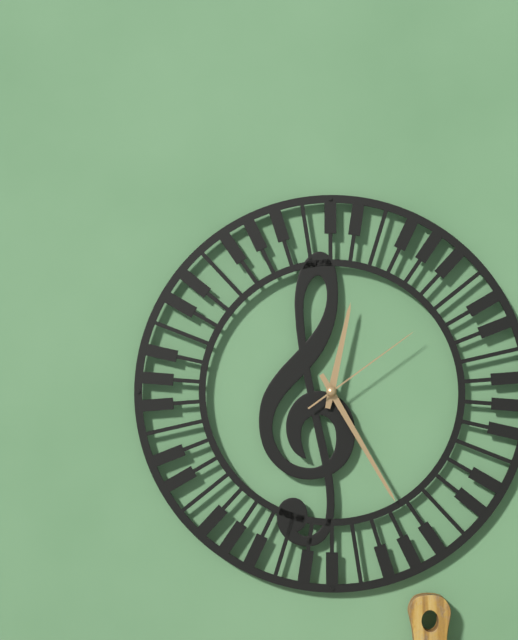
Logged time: {"hour": 12, "minute": 25, "second": 9}
